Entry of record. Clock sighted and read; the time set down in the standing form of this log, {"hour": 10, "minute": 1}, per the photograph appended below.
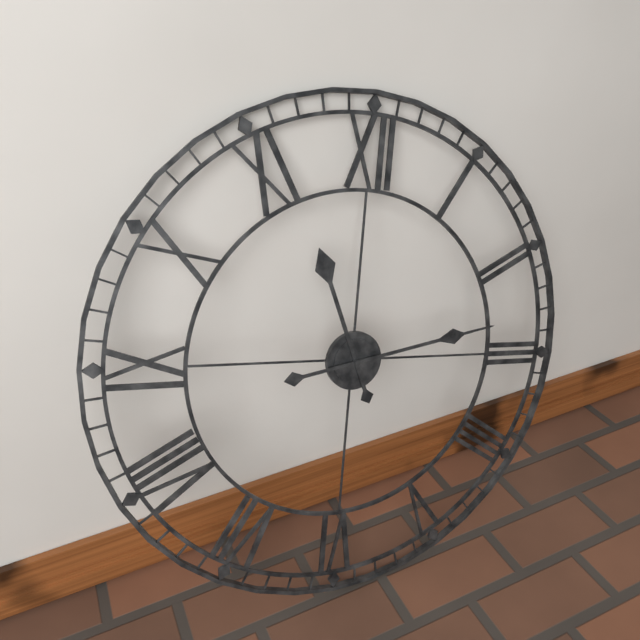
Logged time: {"hour": 11, "minute": 13}
